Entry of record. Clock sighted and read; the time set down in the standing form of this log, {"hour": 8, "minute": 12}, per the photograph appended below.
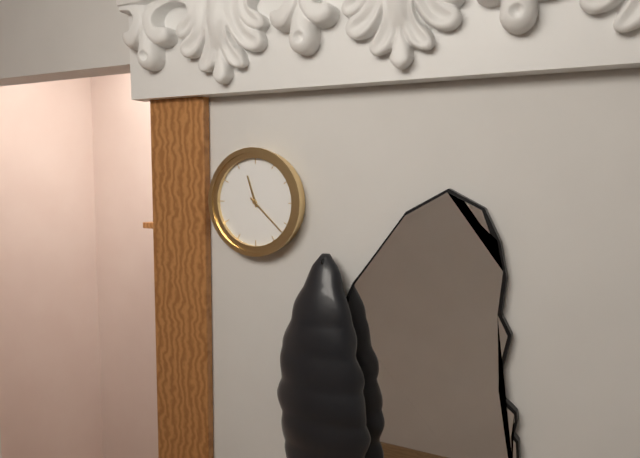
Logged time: {"hour": 11, "minute": 22}
